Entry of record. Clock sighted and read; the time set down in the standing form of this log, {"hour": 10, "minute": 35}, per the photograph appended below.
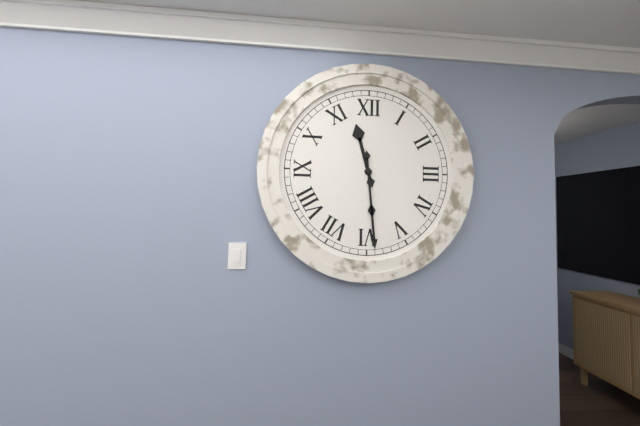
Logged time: {"hour": 11, "minute": 29}
